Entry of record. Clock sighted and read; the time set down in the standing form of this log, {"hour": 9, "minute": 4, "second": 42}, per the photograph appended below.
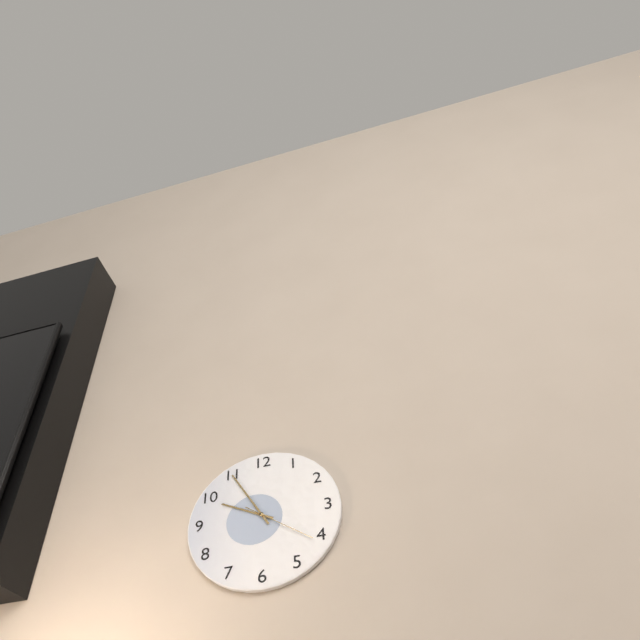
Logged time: {"hour": 9, "minute": 55, "second": 21}
